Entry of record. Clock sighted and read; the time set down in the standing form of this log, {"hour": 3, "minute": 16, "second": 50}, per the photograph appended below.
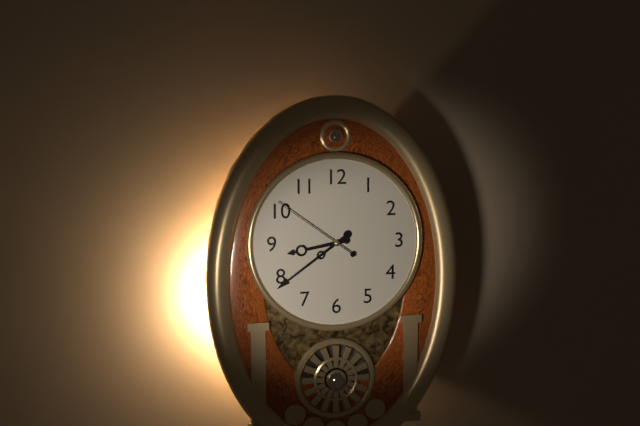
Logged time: {"hour": 8, "minute": 39, "second": 51}
